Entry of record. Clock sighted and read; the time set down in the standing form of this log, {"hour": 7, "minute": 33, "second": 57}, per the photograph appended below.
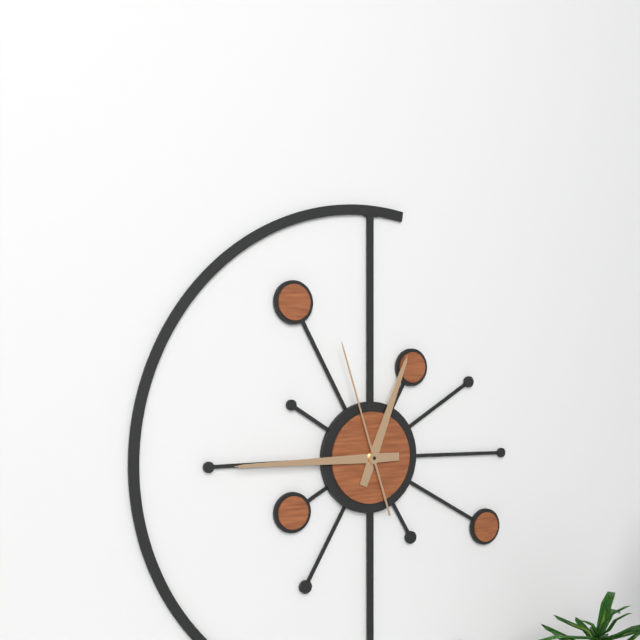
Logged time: {"hour": 12, "minute": 45, "second": 57}
